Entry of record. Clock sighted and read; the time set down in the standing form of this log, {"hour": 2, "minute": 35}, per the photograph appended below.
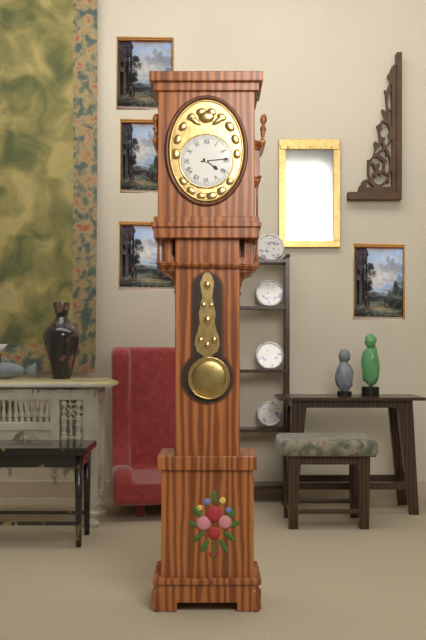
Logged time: {"hour": 4, "minute": 14}
